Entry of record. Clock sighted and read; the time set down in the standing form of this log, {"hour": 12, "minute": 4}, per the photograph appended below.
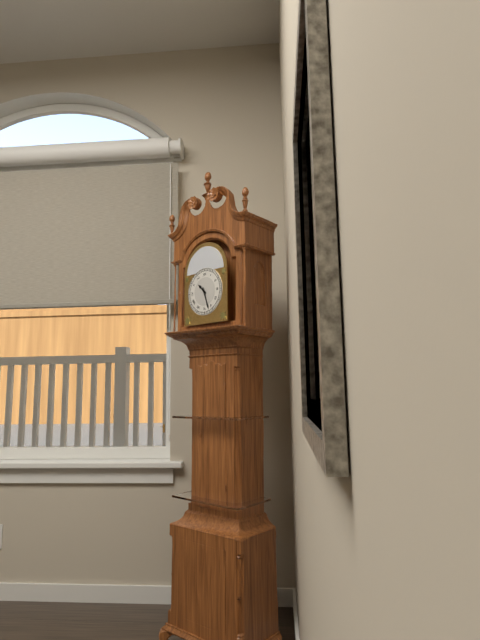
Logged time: {"hour": 10, "minute": 27}
